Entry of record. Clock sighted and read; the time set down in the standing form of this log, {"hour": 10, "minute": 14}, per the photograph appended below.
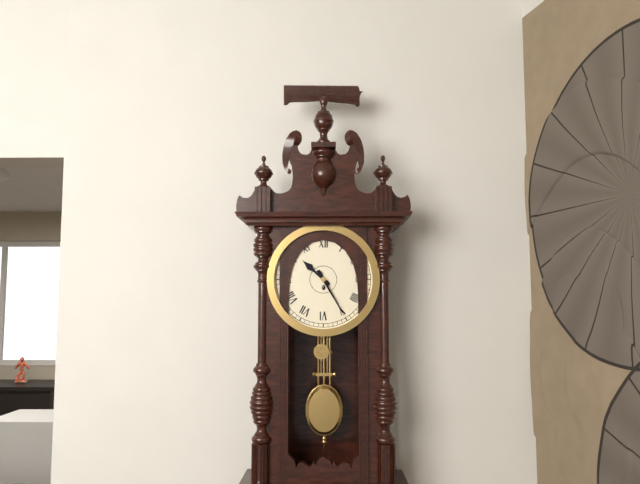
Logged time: {"hour": 10, "minute": 25}
